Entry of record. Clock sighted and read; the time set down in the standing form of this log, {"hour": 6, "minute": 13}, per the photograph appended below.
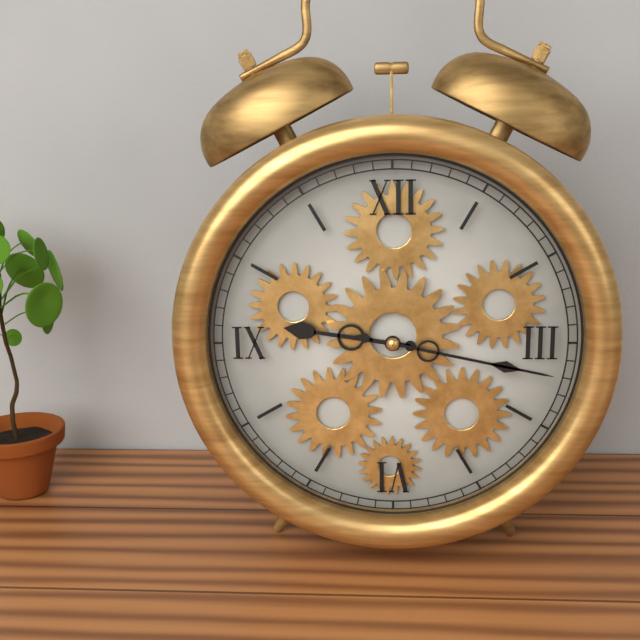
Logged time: {"hour": 9, "minute": 17}
